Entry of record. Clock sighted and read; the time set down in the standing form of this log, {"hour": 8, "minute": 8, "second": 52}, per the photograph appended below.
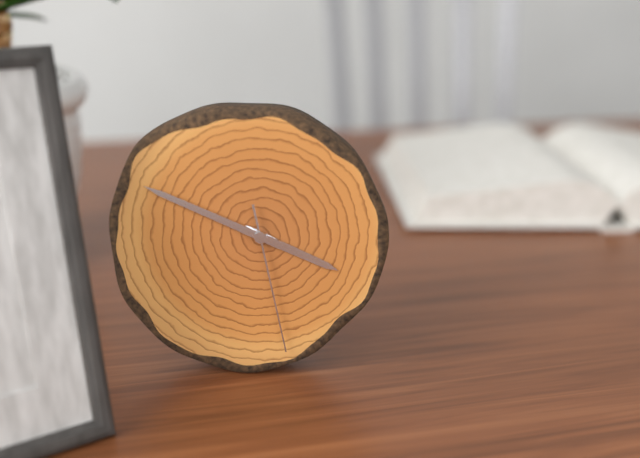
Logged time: {"hour": 3, "minute": 49, "second": 28}
